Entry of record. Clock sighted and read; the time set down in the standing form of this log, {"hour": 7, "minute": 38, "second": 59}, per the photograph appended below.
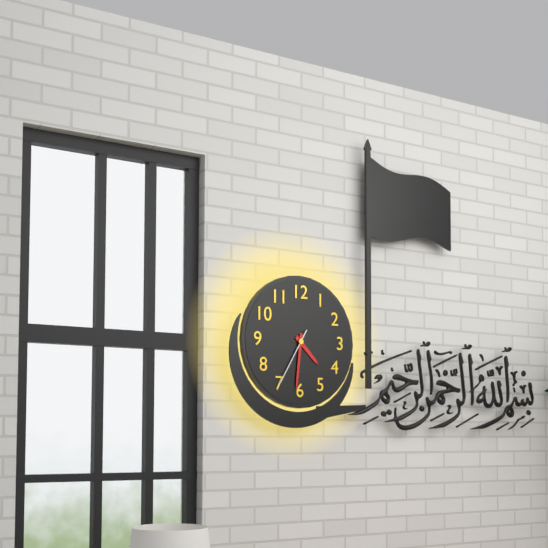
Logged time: {"hour": 4, "minute": 31, "second": 35}
